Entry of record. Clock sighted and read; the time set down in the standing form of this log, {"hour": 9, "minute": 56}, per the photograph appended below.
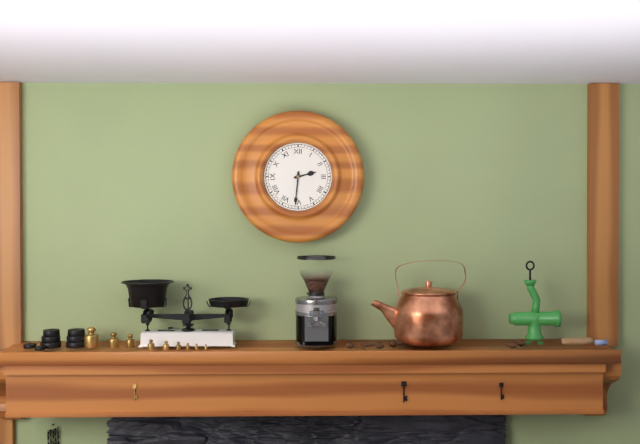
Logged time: {"hour": 2, "minute": 31}
